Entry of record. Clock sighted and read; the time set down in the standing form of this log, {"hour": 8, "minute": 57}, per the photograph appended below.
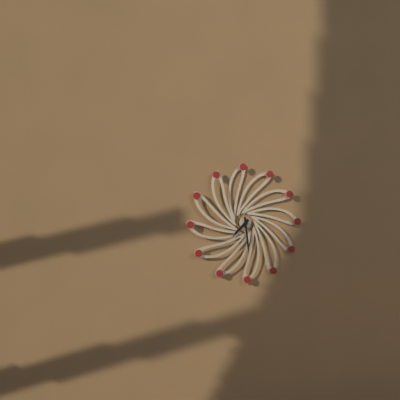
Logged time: {"hour": 7, "minute": 29}
